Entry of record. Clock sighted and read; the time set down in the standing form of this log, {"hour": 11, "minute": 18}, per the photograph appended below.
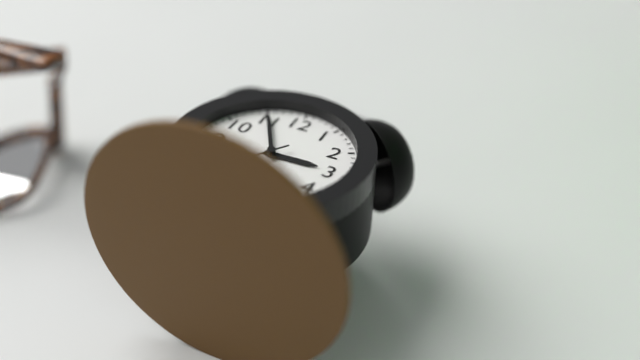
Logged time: {"hour": 2, "minute": 55}
